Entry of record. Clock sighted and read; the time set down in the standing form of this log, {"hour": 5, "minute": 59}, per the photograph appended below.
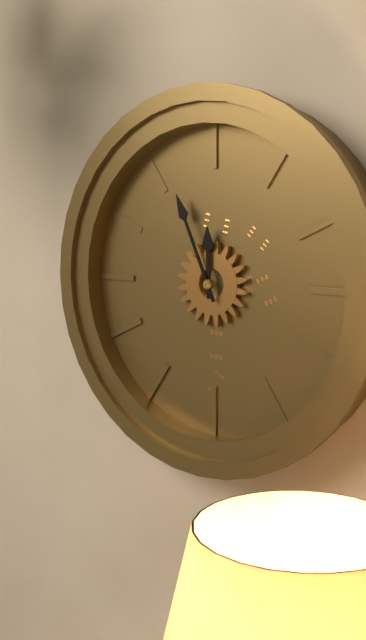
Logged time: {"hour": 11, "minute": 56}
